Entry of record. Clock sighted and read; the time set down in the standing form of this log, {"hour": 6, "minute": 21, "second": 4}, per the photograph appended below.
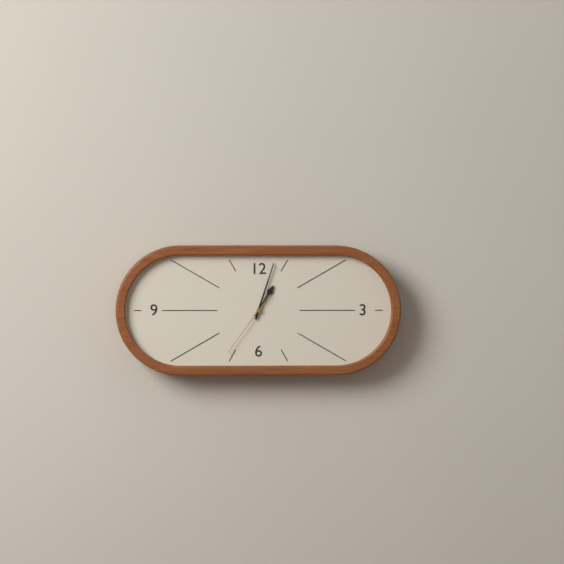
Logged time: {"hour": 1, "minute": 3, "second": 36}
